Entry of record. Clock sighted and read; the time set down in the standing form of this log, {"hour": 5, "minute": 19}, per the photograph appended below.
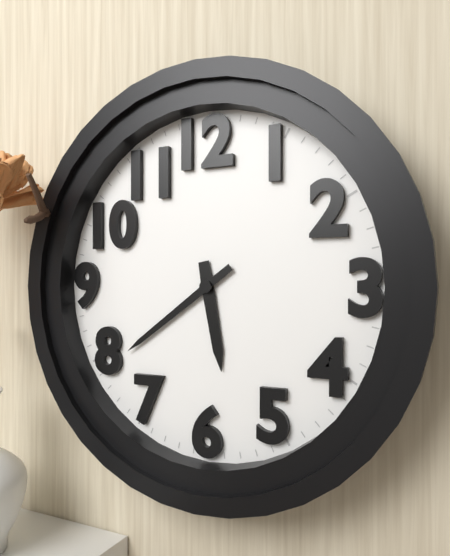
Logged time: {"hour": 5, "minute": 39}
